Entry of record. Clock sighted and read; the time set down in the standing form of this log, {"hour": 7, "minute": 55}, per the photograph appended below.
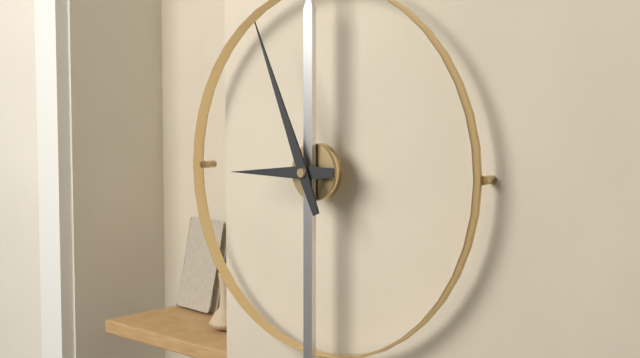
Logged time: {"hour": 8, "minute": 56}
